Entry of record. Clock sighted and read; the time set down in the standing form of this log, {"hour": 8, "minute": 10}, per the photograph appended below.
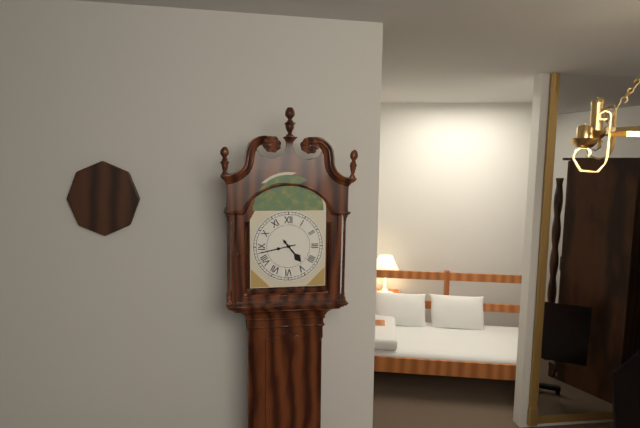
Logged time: {"hour": 4, "minute": 43}
